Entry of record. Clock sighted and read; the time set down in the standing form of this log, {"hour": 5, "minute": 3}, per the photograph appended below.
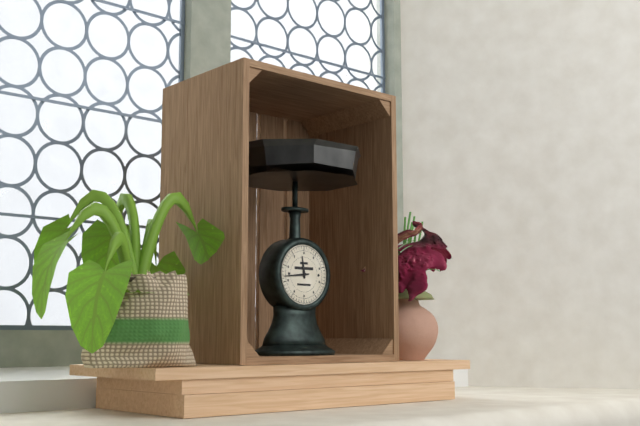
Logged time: {"hour": 11, "minute": 44}
